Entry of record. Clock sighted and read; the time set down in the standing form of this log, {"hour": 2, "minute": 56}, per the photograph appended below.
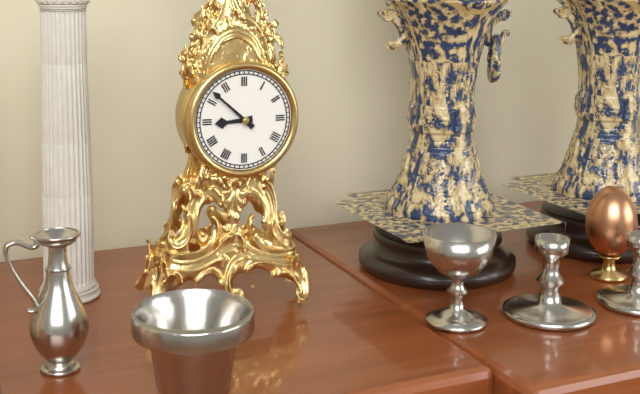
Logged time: {"hour": 8, "minute": 52}
